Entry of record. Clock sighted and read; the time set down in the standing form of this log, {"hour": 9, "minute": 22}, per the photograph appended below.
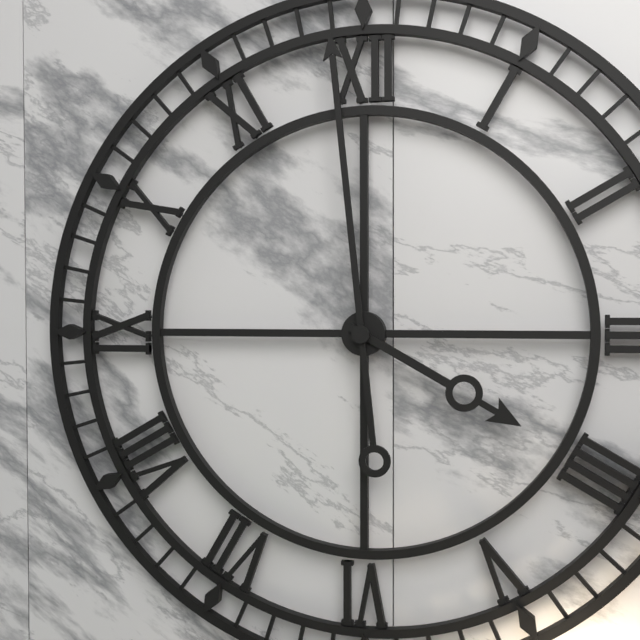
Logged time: {"hour": 3, "minute": 59}
